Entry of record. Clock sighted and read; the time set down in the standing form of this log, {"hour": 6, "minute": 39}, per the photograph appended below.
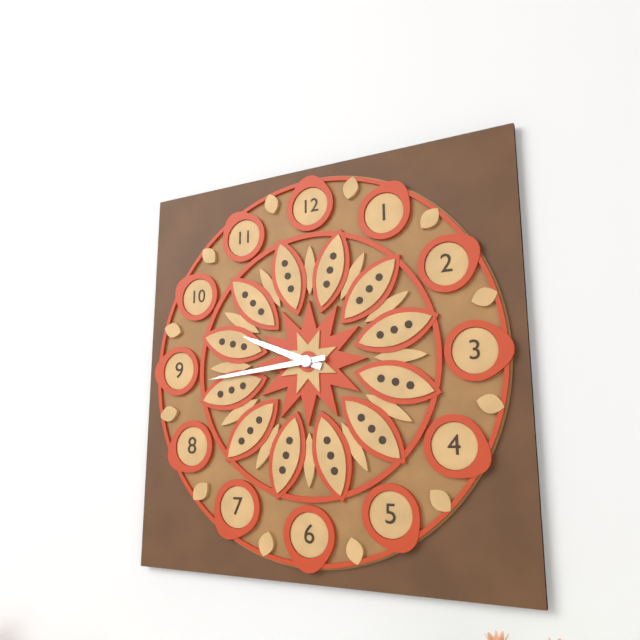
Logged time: {"hour": 9, "minute": 44}
